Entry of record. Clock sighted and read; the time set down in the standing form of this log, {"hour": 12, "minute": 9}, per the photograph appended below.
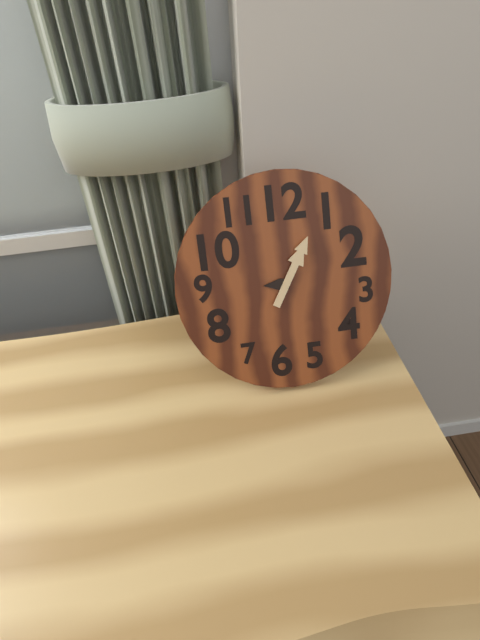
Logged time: {"hour": 9, "minute": 5}
